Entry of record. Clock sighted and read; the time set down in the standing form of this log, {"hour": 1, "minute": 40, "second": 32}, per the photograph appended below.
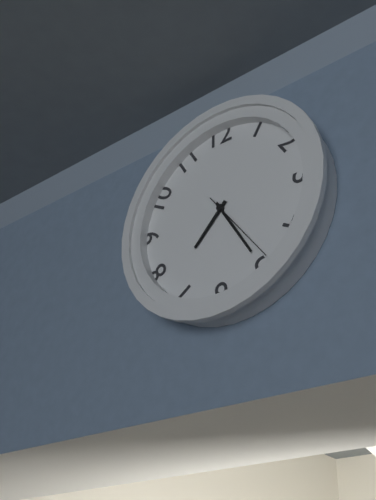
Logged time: {"hour": 7, "minute": 25, "second": 24}
